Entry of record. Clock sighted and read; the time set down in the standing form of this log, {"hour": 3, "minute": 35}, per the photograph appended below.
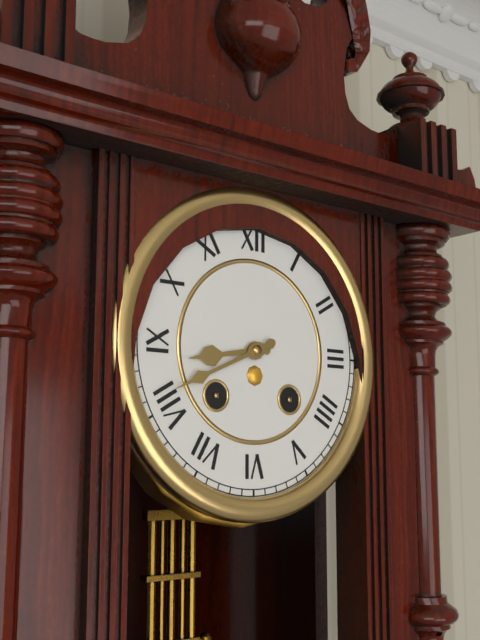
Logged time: {"hour": 8, "minute": 41}
